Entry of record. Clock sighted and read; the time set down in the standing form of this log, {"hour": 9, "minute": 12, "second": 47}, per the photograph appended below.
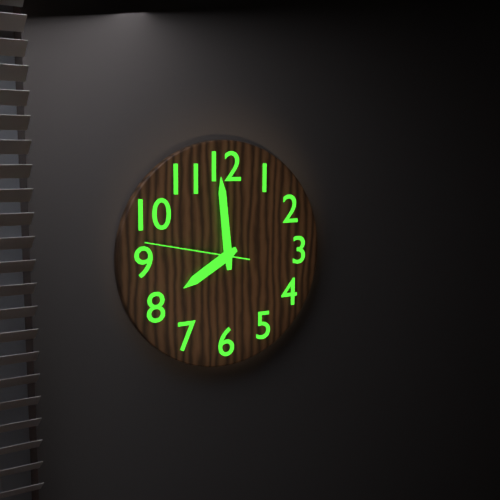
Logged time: {"hour": 7, "minute": 59, "second": 47}
